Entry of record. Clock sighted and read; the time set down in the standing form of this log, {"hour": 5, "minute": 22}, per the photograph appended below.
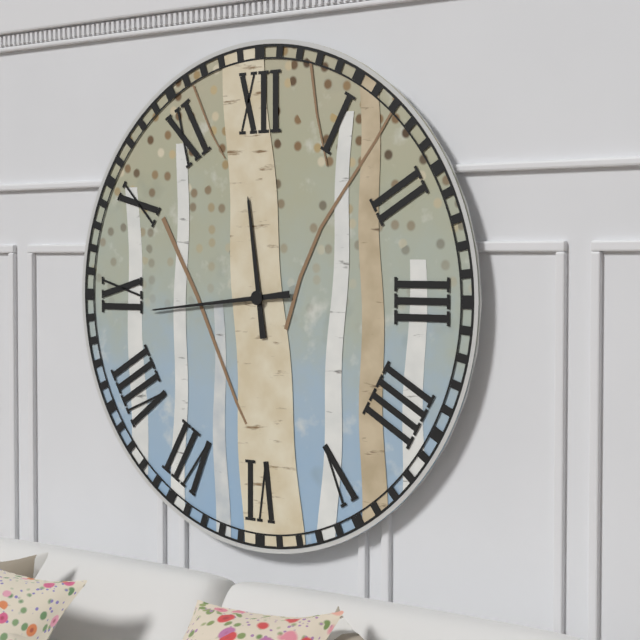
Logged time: {"hour": 11, "minute": 44}
